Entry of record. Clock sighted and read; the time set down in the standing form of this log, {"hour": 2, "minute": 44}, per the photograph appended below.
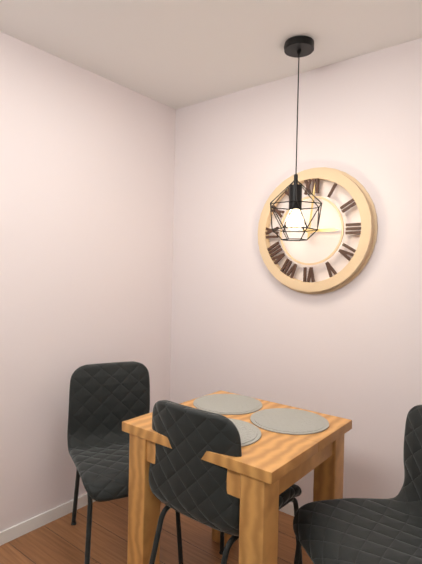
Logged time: {"hour": 3, "minute": 1}
